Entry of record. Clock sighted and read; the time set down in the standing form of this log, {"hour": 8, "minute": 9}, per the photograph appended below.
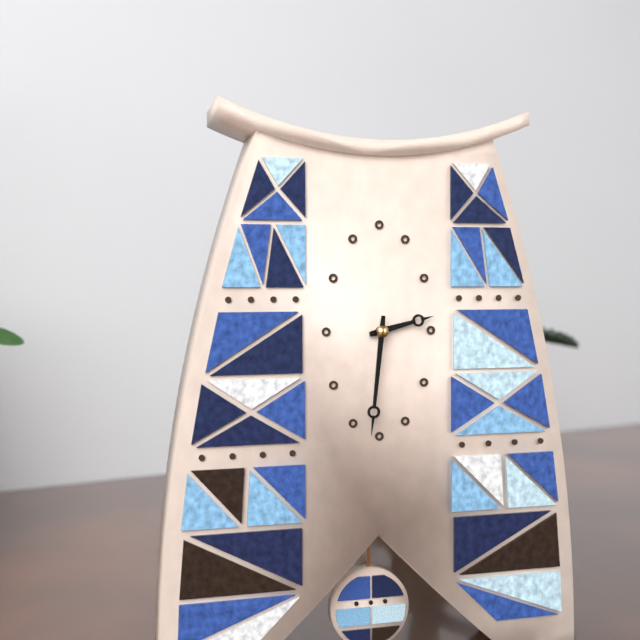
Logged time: {"hour": 2, "minute": 31}
